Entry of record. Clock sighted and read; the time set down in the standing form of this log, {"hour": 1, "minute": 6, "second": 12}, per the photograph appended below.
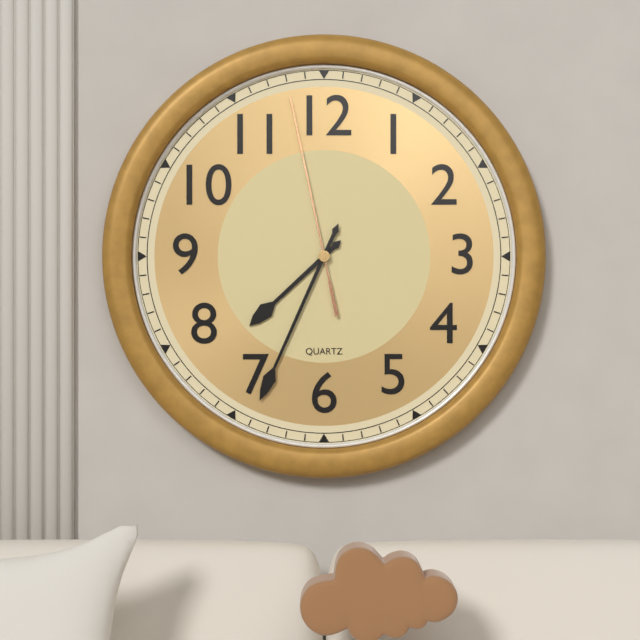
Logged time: {"hour": 7, "minute": 34, "second": 58}
